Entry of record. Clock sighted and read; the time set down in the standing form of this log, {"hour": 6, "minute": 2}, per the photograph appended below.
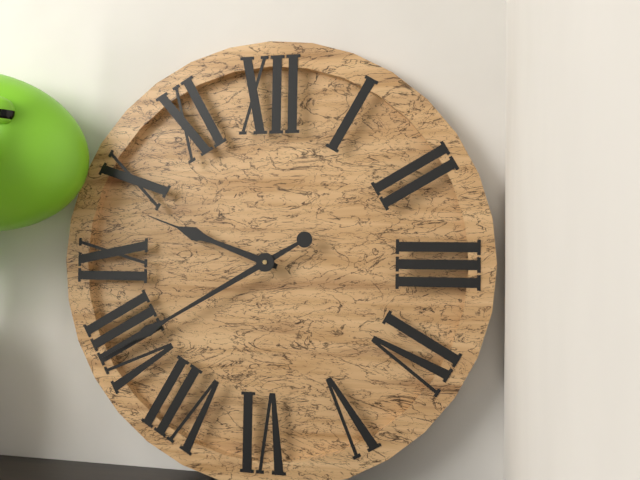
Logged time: {"hour": 9, "minute": 40}
